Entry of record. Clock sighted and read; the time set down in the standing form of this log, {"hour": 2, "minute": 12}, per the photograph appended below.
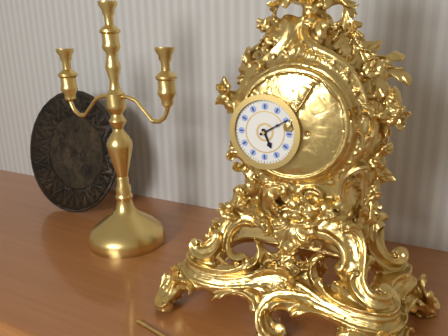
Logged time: {"hour": 5, "minute": 10}
